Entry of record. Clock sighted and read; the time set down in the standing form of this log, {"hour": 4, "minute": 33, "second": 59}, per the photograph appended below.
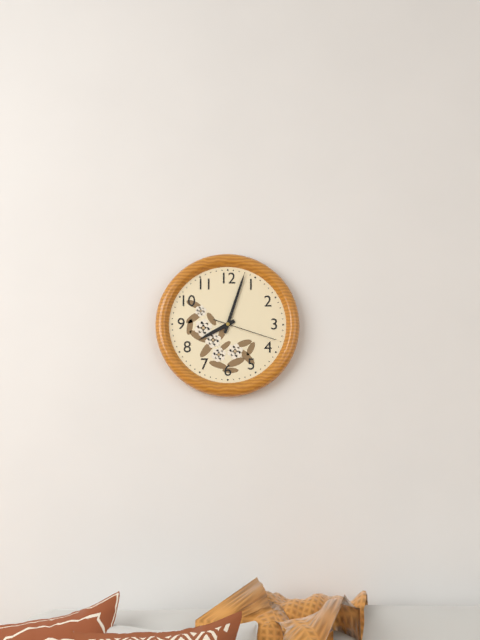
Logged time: {"hour": 8, "minute": 3, "second": 18}
